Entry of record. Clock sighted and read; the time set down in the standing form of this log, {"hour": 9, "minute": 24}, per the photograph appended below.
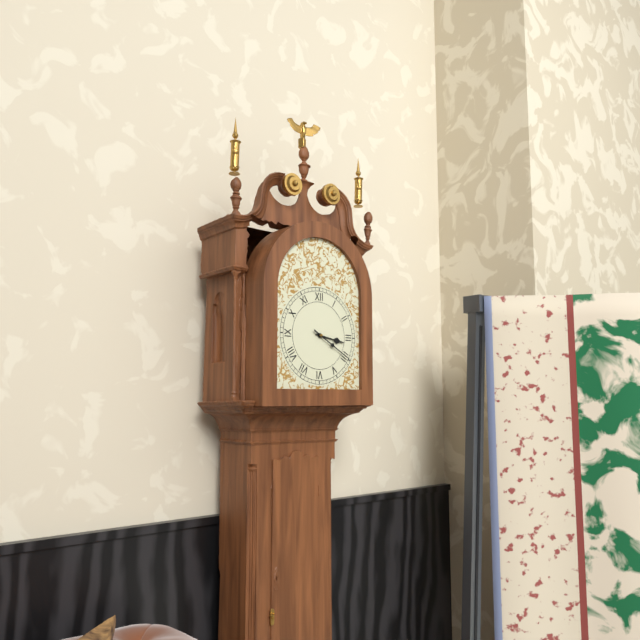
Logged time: {"hour": 3, "minute": 20}
